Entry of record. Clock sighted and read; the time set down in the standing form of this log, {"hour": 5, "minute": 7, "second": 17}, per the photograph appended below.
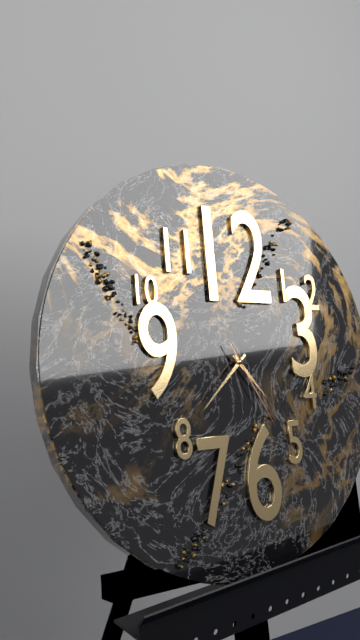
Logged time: {"hour": 4, "minute": 38, "second": 25}
